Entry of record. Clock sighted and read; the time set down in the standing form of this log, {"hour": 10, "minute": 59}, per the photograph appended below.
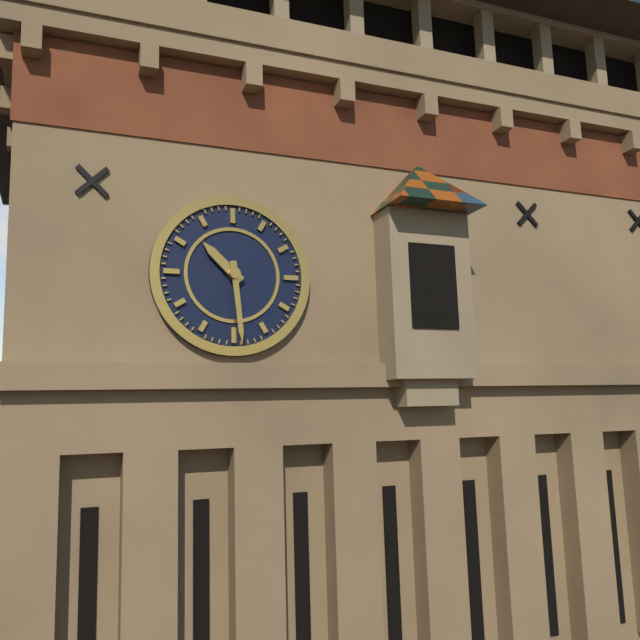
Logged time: {"hour": 10, "minute": 29}
